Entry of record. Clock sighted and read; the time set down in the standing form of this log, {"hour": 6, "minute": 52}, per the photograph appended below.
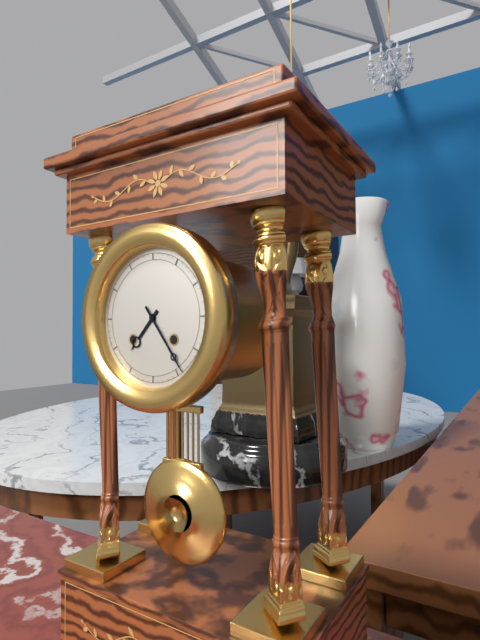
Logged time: {"hour": 7, "minute": 24}
